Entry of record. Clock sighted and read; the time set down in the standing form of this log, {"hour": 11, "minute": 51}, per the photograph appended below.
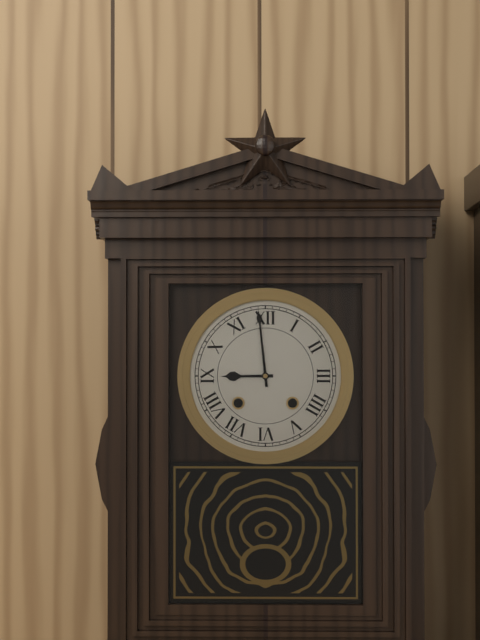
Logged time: {"hour": 8, "minute": 59}
